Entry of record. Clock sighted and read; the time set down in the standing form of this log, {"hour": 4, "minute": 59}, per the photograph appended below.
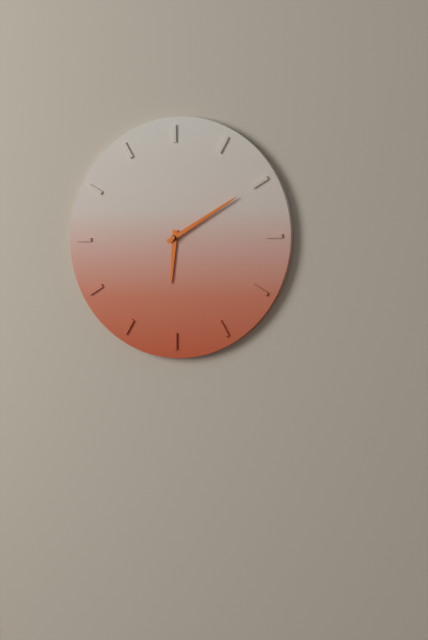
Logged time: {"hour": 6, "minute": 10}
